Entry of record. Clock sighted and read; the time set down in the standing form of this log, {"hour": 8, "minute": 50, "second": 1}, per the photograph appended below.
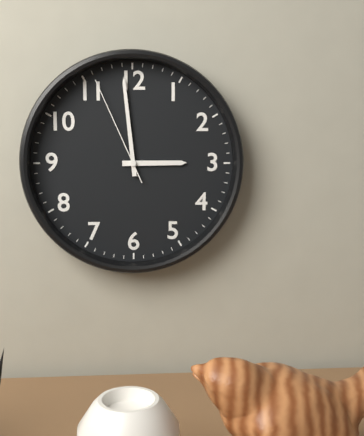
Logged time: {"hour": 2, "minute": 59, "second": 56}
